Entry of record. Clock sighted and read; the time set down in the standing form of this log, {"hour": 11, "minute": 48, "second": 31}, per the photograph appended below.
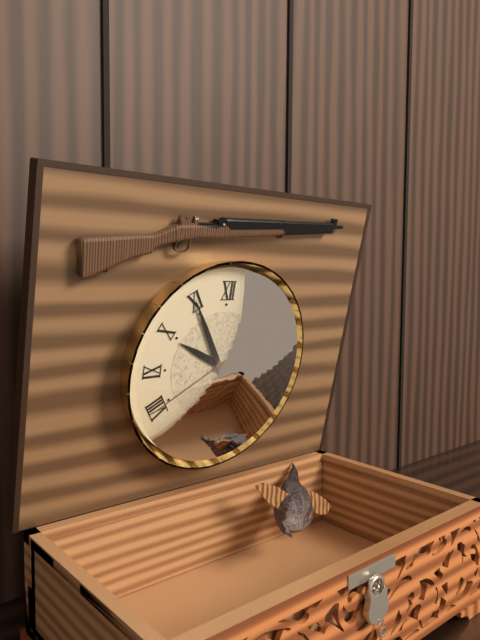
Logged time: {"hour": 9, "minute": 55, "second": 40}
